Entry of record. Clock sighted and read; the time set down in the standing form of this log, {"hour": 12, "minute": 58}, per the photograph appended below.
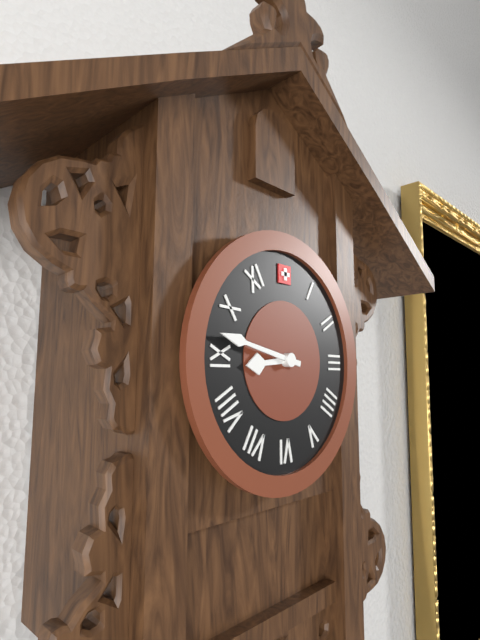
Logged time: {"hour": 8, "minute": 47}
